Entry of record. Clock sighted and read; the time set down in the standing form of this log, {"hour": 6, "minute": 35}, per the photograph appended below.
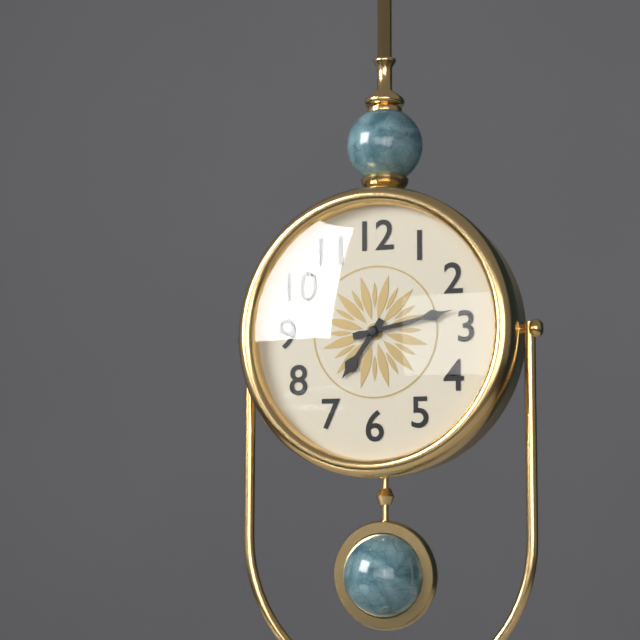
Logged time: {"hour": 7, "minute": 13}
